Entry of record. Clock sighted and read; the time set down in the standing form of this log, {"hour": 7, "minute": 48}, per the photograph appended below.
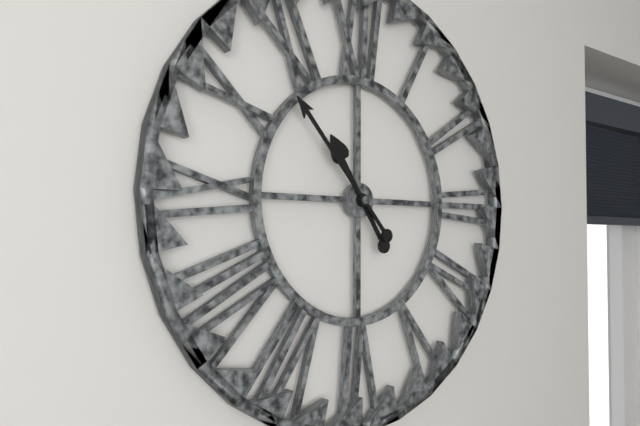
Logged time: {"hour": 10, "minute": 53}
